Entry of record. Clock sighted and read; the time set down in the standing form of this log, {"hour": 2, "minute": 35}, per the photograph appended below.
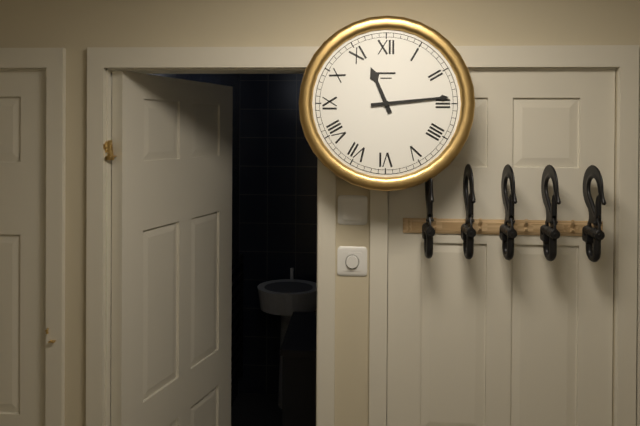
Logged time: {"hour": 11, "minute": 14}
